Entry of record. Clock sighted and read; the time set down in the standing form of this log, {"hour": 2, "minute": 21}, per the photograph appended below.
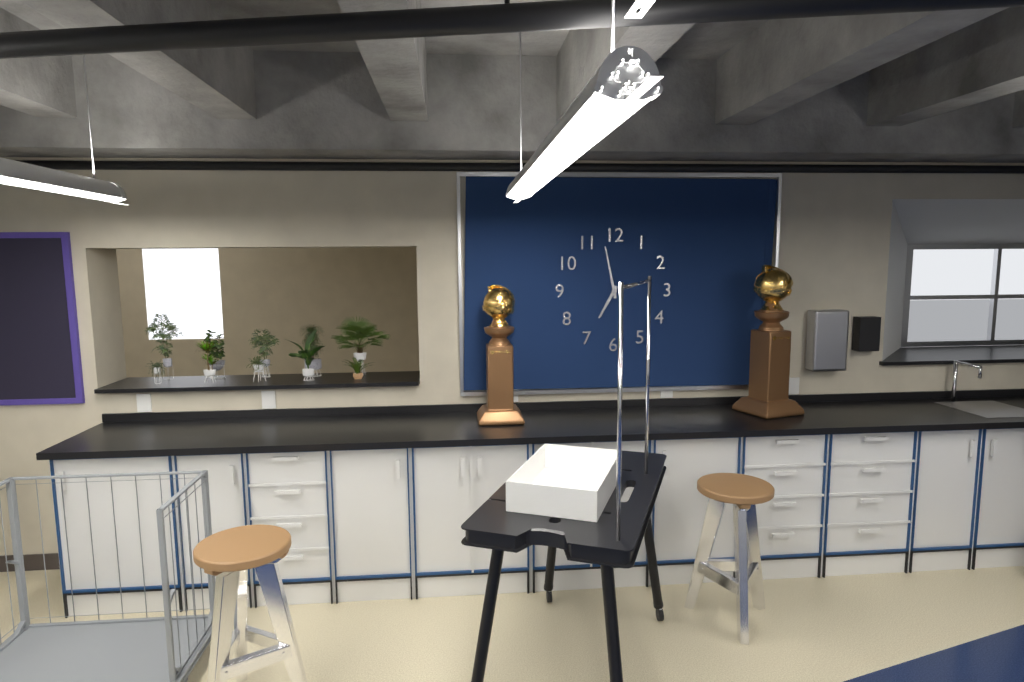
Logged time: {"hour": 6, "minute": 58}
